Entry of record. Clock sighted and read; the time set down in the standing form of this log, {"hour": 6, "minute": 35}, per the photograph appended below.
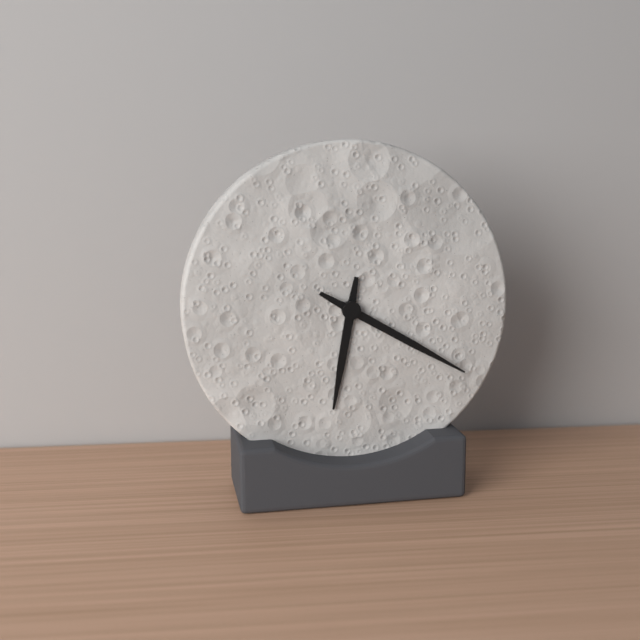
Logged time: {"hour": 6, "minute": 20}
